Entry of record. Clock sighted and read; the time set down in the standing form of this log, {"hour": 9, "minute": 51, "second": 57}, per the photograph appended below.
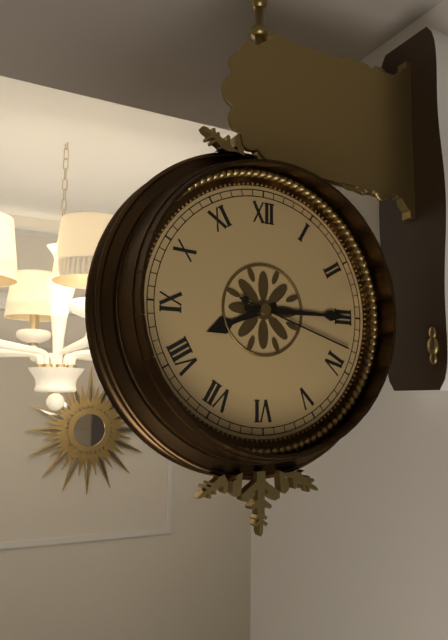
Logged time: {"hour": 8, "minute": 15, "second": 18}
